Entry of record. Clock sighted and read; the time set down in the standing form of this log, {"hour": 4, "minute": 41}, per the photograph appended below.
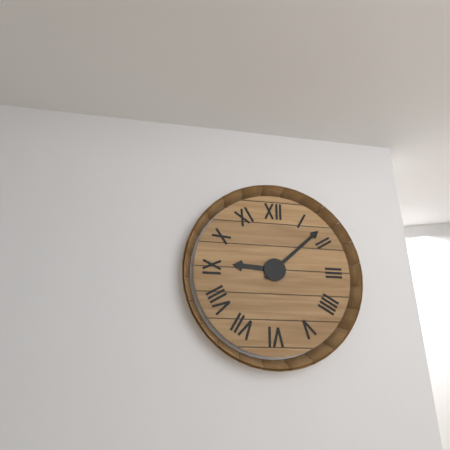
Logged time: {"hour": 9, "minute": 8}
